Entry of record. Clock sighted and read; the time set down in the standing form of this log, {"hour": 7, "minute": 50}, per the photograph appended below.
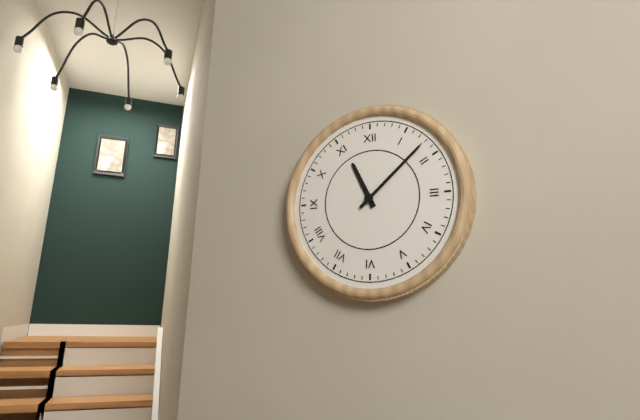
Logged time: {"hour": 11, "minute": 8}
